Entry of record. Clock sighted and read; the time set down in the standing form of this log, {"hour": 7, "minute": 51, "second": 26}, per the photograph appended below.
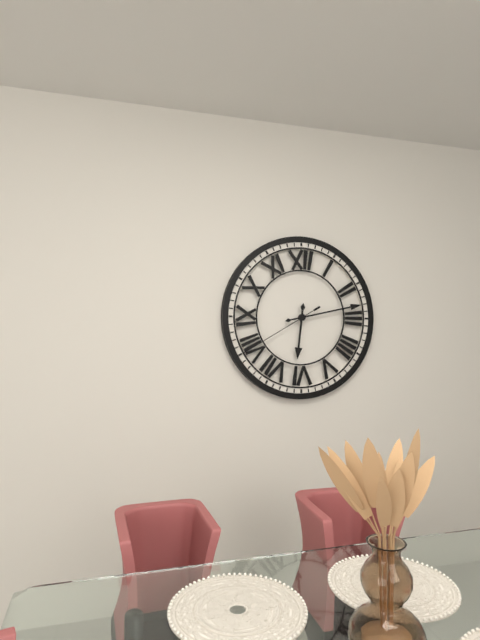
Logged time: {"hour": 6, "minute": 13, "second": 40}
